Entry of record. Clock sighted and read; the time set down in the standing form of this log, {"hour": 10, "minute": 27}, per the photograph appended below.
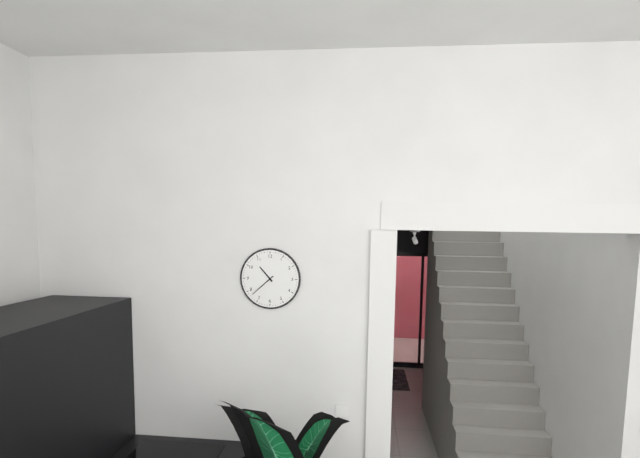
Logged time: {"hour": 10, "minute": 38}
